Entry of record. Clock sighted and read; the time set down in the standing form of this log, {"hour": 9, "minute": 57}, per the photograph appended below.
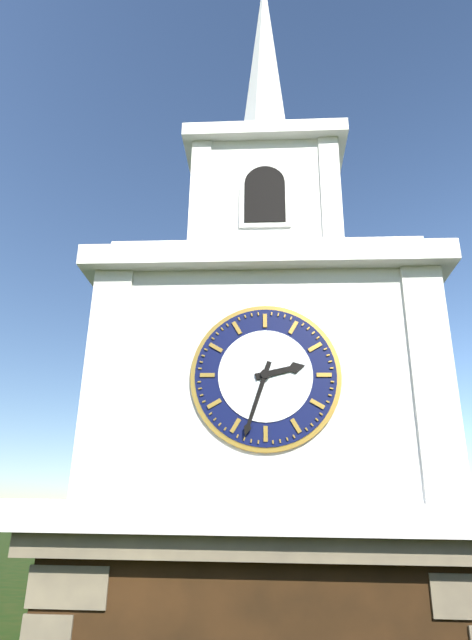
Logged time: {"hour": 2, "minute": 33}
